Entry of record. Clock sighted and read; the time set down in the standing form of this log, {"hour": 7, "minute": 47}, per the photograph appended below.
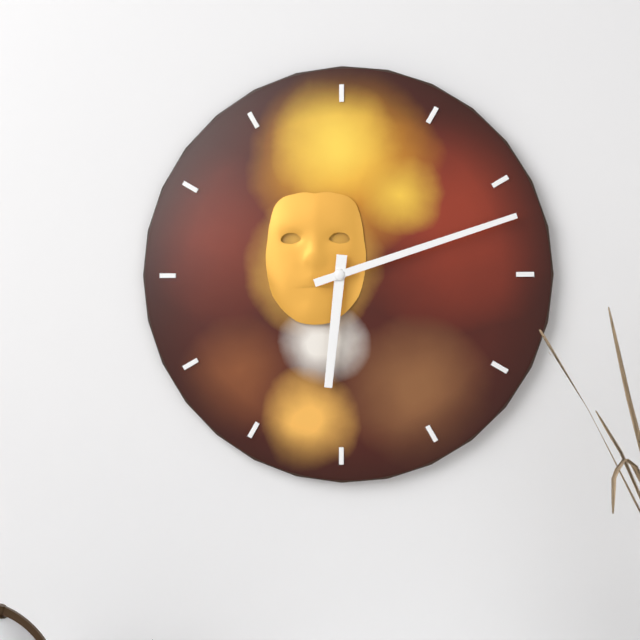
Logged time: {"hour": 6, "minute": 12}
